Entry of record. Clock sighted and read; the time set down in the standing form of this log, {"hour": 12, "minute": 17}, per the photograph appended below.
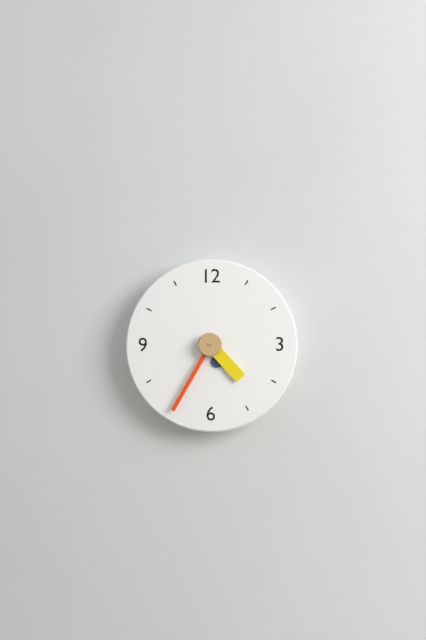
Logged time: {"hour": 4, "minute": 35}
